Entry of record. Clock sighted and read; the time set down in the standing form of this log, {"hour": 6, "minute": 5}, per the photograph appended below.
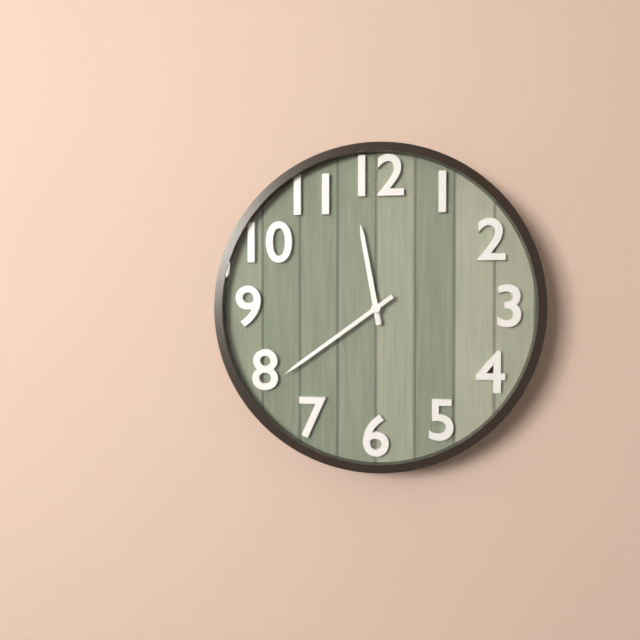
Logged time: {"hour": 11, "minute": 39}
